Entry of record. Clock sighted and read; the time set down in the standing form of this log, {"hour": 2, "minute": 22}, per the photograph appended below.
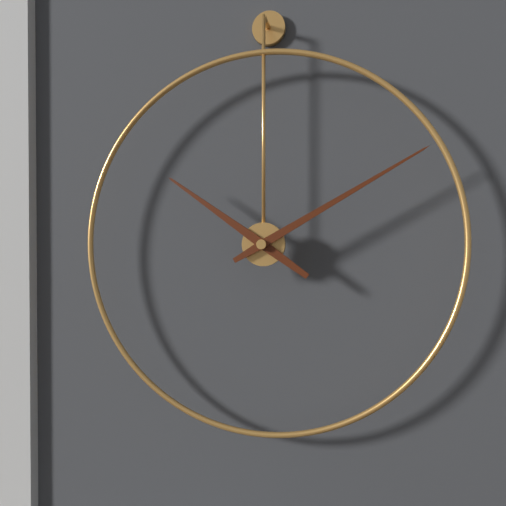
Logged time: {"hour": 10, "minute": 10}
